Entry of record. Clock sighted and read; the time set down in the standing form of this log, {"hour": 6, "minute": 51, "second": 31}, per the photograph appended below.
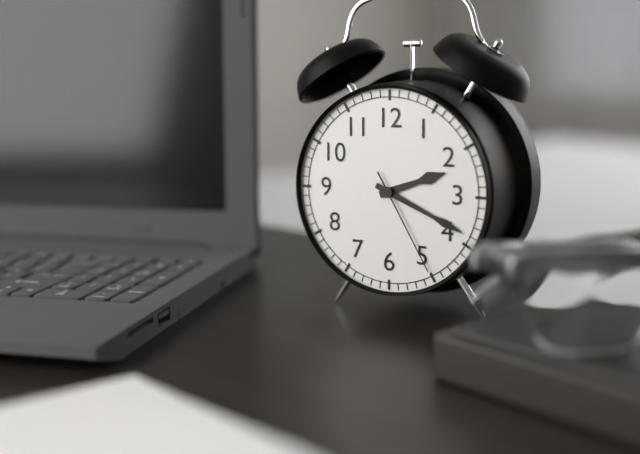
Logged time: {"hour": 2, "minute": 19, "second": 25}
